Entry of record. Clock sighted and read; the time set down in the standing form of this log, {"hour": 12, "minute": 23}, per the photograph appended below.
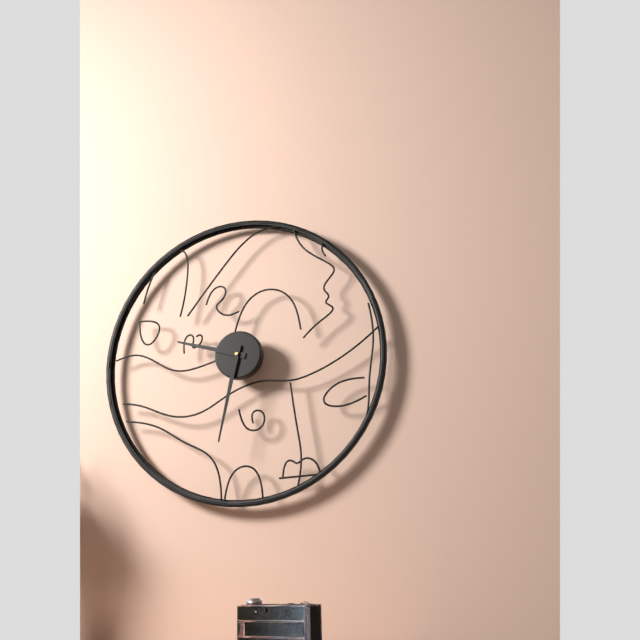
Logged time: {"hour": 9, "minute": 32}
